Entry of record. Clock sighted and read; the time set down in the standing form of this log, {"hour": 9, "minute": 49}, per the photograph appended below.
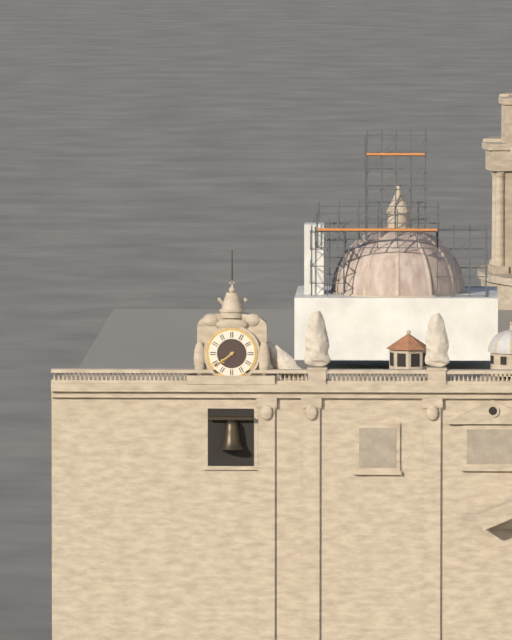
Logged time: {"hour": 7, "minute": 39}
